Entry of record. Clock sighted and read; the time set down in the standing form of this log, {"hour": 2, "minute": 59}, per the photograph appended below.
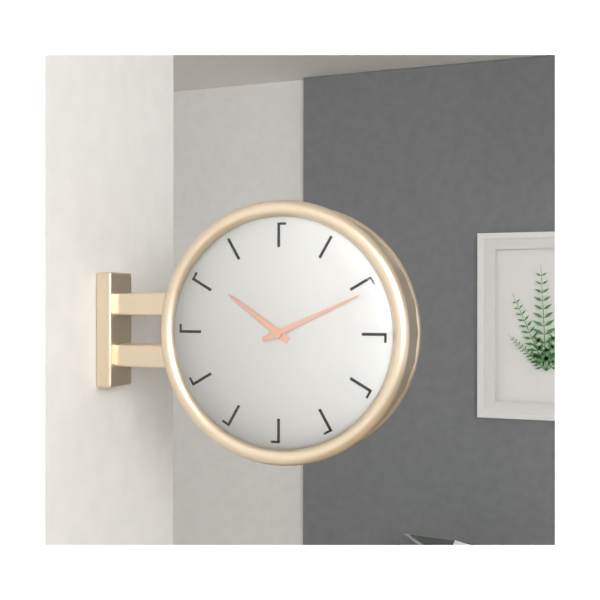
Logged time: {"hour": 10, "minute": 11}
